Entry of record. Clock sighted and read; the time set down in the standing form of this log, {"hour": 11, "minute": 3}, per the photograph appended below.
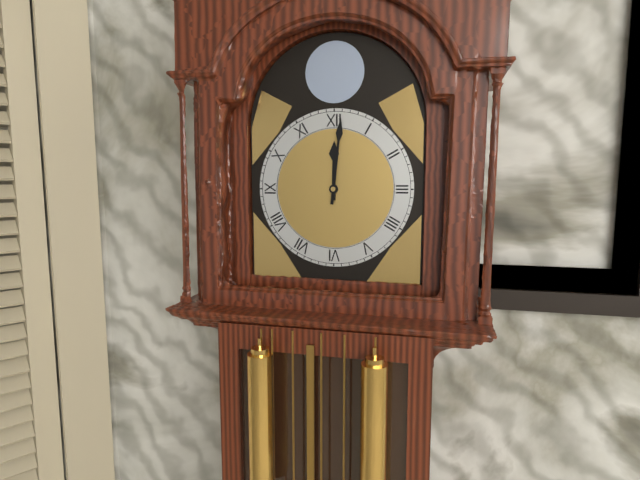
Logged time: {"hour": 12, "minute": 1}
